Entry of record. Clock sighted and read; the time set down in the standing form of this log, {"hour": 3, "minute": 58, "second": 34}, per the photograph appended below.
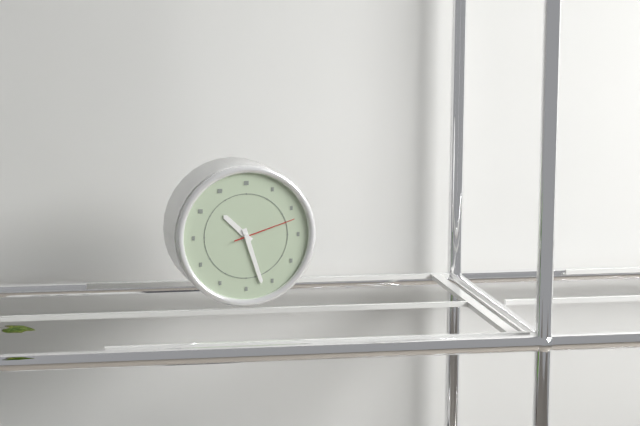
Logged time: {"hour": 10, "minute": 27, "second": 12}
